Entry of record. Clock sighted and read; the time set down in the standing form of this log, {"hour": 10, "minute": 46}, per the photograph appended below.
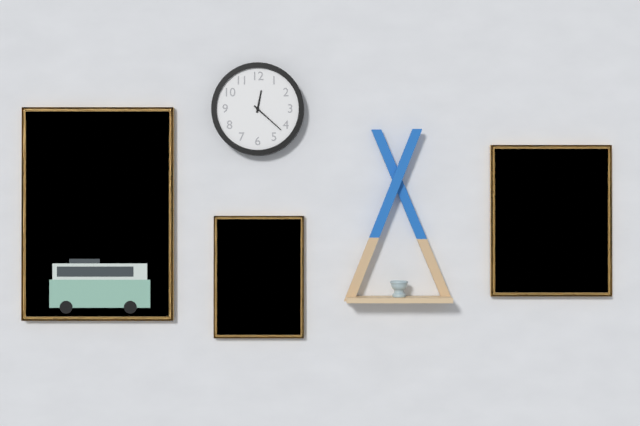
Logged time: {"hour": 12, "minute": 22}
